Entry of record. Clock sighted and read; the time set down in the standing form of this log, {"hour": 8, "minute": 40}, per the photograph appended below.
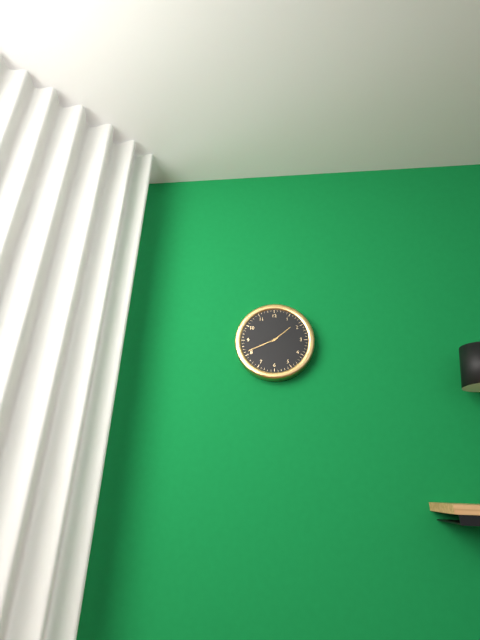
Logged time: {"hour": 1, "minute": 41}
